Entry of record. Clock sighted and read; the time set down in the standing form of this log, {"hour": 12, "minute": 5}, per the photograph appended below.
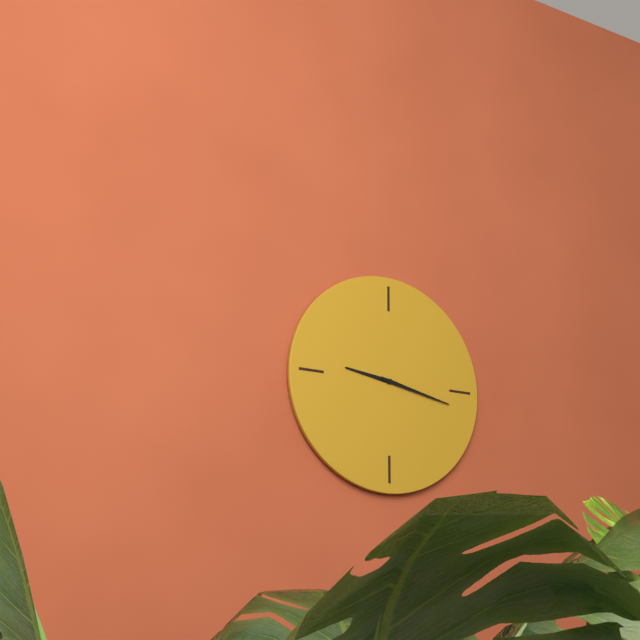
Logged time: {"hour": 9, "minute": 17}
